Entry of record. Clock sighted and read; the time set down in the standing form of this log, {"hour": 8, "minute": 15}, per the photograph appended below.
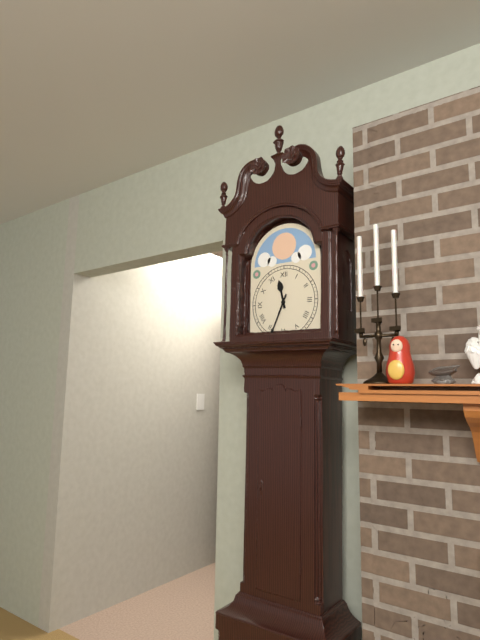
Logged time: {"hour": 11, "minute": 34}
